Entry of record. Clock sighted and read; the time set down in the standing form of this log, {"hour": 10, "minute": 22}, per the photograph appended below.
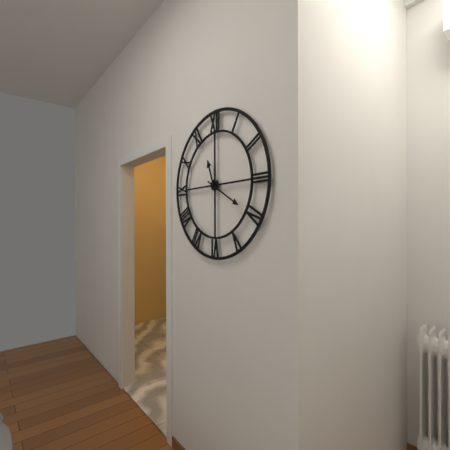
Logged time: {"hour": 11, "minute": 20}
